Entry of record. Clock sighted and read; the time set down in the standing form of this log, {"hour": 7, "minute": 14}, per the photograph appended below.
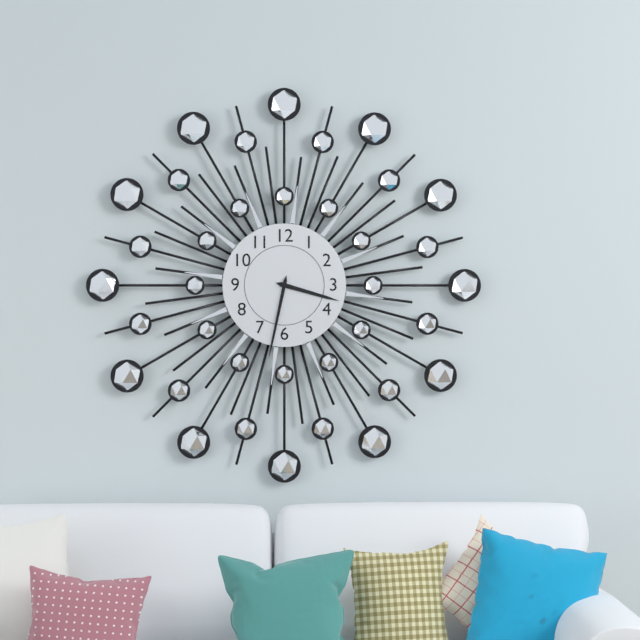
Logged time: {"hour": 3, "minute": 32}
